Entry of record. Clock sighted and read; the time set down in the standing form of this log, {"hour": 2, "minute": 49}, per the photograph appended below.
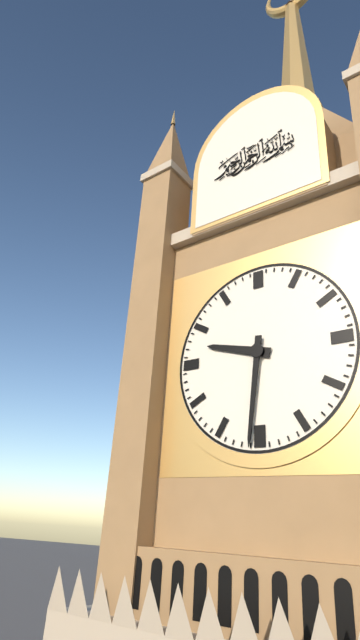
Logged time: {"hour": 9, "minute": 31}
